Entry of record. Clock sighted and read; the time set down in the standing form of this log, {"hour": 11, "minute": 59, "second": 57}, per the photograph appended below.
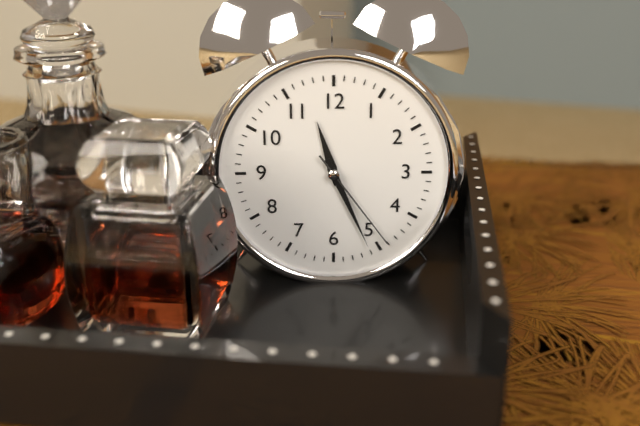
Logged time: {"hour": 11, "minute": 26, "second": 24}
